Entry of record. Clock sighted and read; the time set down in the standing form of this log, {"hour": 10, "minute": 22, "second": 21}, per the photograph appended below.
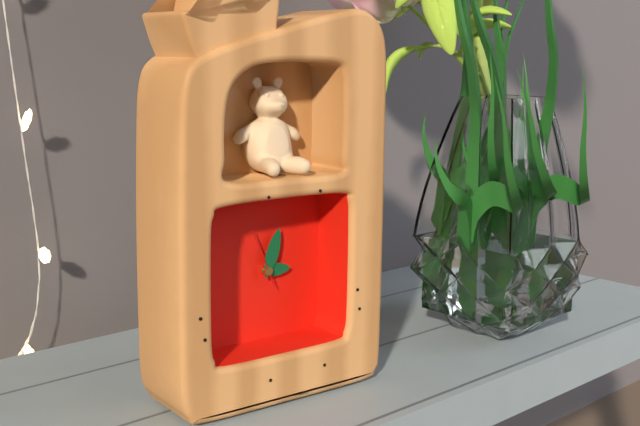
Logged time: {"hour": 3, "minute": 3, "second": 56}
